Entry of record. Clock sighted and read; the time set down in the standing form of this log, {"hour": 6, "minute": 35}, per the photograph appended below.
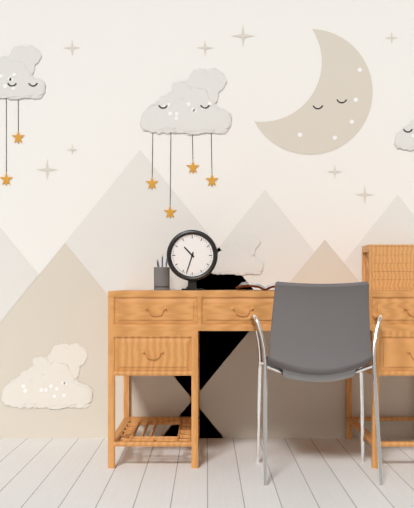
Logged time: {"hour": 10, "minute": 33}
